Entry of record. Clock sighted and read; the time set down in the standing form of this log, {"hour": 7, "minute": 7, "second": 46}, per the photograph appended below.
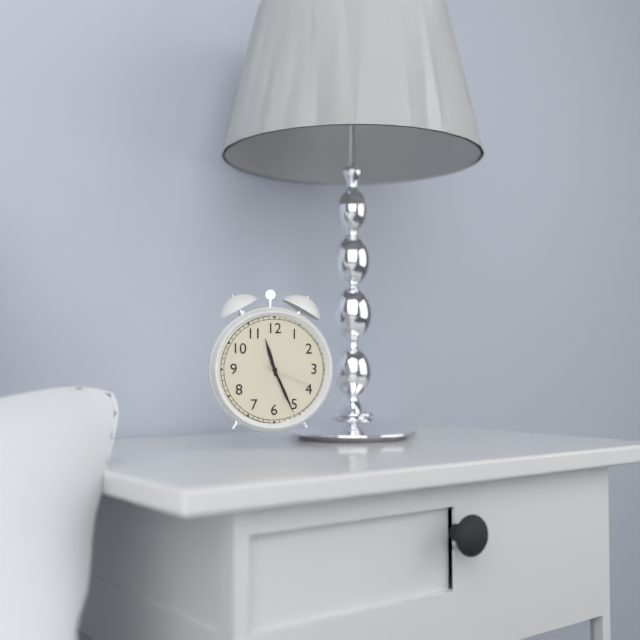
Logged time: {"hour": 11, "minute": 26, "second": 19}
